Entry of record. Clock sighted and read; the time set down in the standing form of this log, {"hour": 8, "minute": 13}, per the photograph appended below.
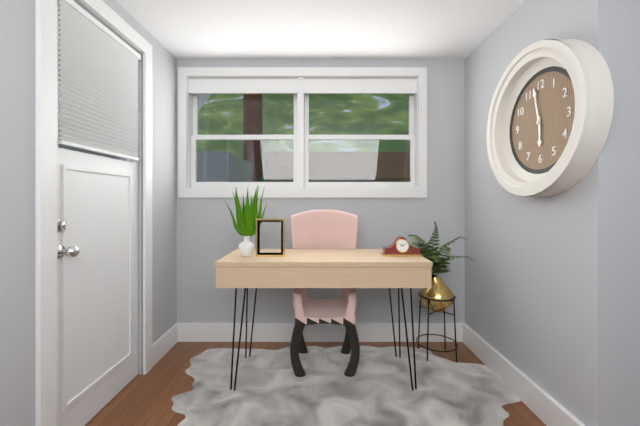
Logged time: {"hour": 5, "minute": 58}
